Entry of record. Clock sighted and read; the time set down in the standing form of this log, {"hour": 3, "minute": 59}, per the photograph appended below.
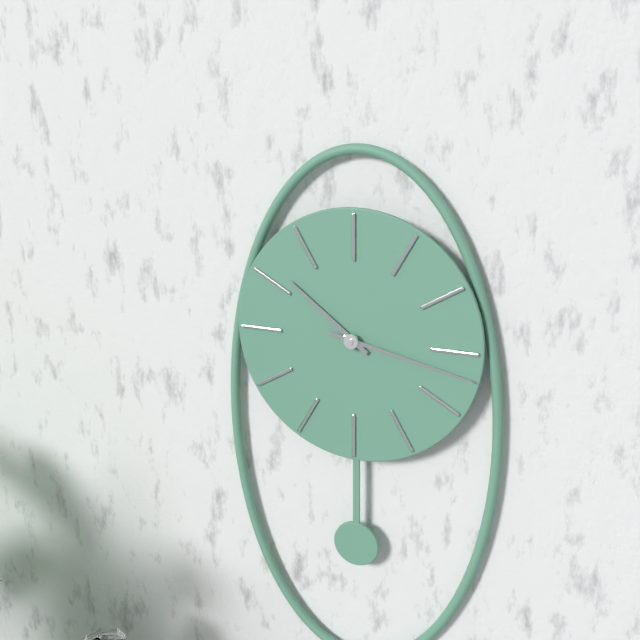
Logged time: {"hour": 10, "minute": 17}
